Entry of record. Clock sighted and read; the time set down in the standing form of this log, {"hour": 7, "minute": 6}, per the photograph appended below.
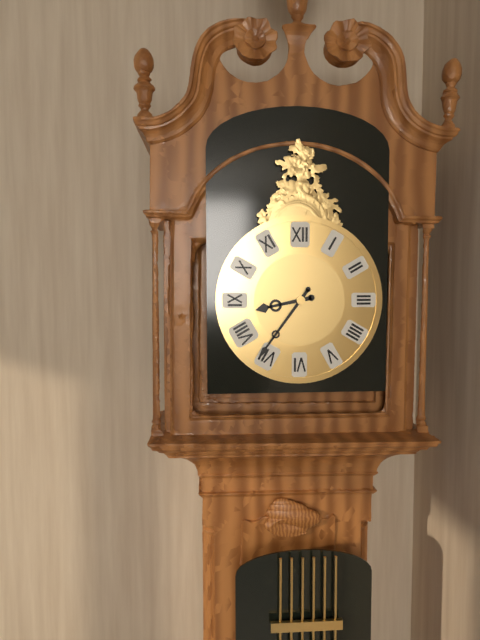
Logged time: {"hour": 8, "minute": 36}
